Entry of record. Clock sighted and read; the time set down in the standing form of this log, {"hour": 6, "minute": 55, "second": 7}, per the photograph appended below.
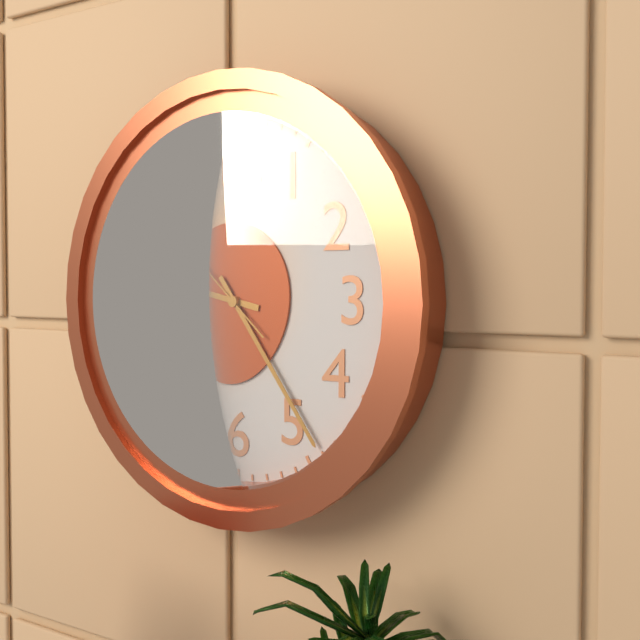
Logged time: {"hour": 9, "minute": 24, "second": 52}
